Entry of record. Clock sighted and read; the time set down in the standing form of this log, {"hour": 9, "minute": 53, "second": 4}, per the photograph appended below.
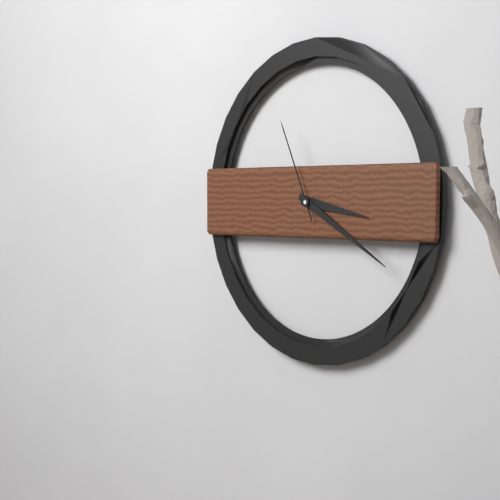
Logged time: {"hour": 3, "minute": 20, "second": 56}
